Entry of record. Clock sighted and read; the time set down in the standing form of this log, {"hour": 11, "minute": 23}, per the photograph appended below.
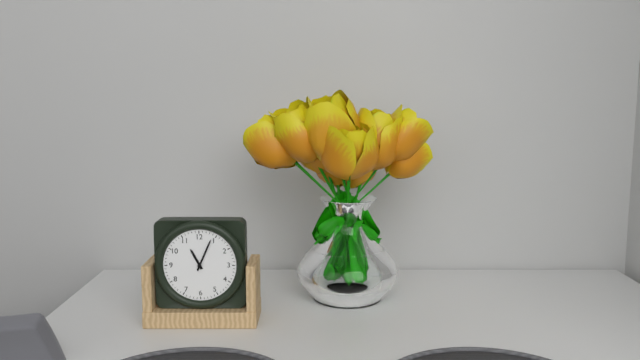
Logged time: {"hour": 11, "minute": 4}
